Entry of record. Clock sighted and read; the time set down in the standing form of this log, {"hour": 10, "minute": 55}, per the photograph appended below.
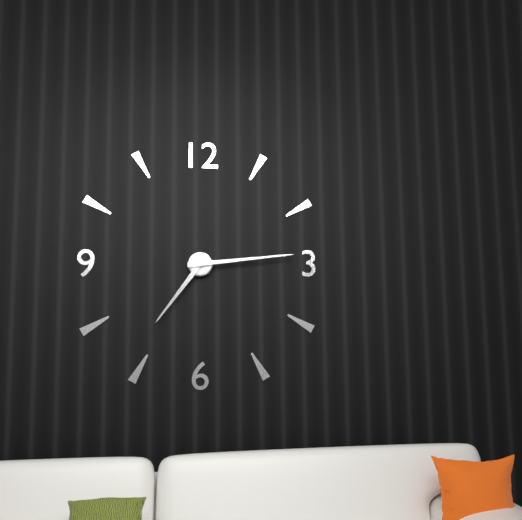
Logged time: {"hour": 7, "minute": 14}
